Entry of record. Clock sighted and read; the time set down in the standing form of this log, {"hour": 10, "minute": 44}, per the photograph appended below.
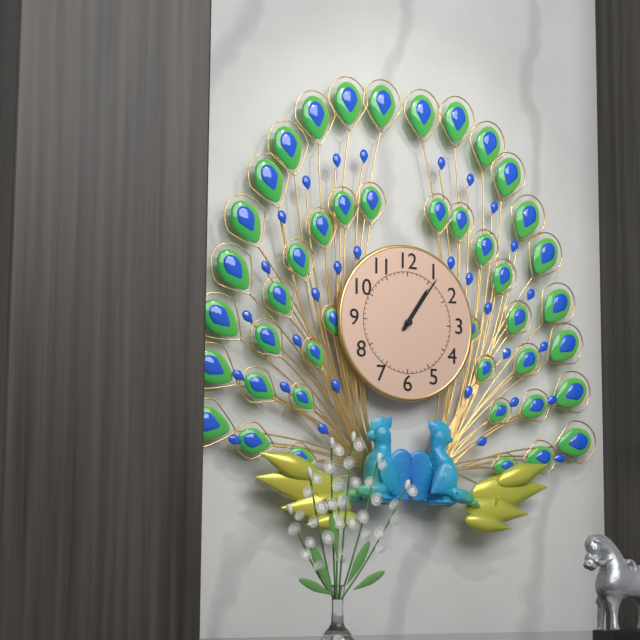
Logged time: {"hour": 1, "minute": 6}
